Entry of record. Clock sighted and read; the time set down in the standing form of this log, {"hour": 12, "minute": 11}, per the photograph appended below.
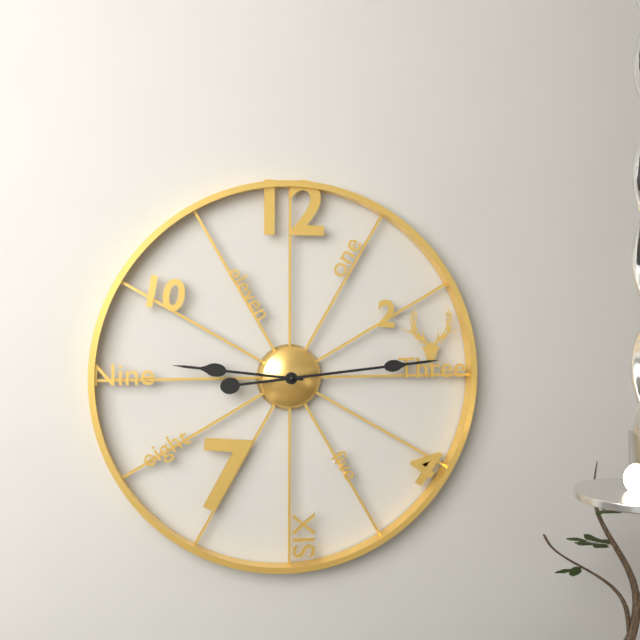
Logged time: {"hour": 9, "minute": 14}
